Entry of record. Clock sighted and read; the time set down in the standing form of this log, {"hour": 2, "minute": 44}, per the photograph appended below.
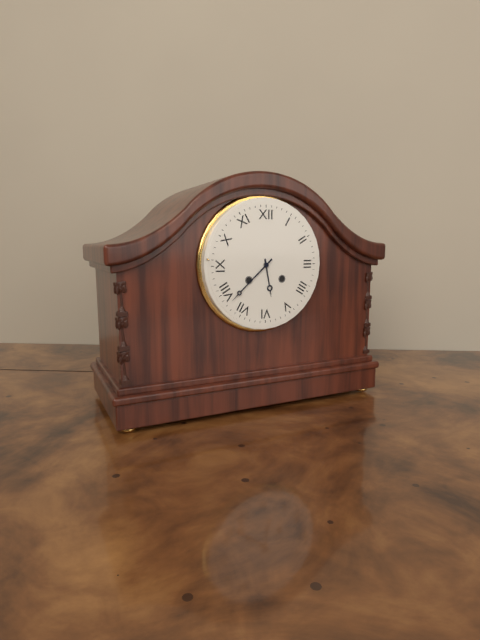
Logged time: {"hour": 5, "minute": 38}
